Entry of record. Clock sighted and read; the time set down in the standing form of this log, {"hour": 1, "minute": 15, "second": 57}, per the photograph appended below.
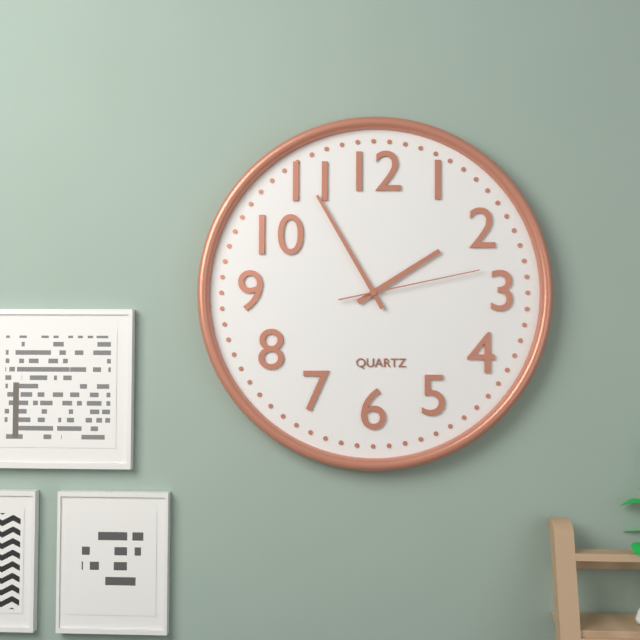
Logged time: {"hour": 1, "minute": 55, "second": 13}
